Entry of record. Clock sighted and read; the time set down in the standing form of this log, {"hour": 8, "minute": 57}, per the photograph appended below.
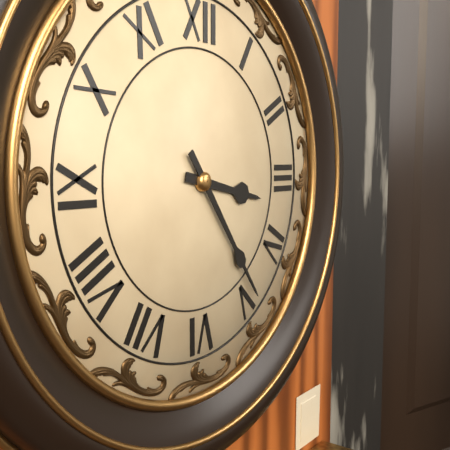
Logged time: {"hour": 3, "minute": 24}
